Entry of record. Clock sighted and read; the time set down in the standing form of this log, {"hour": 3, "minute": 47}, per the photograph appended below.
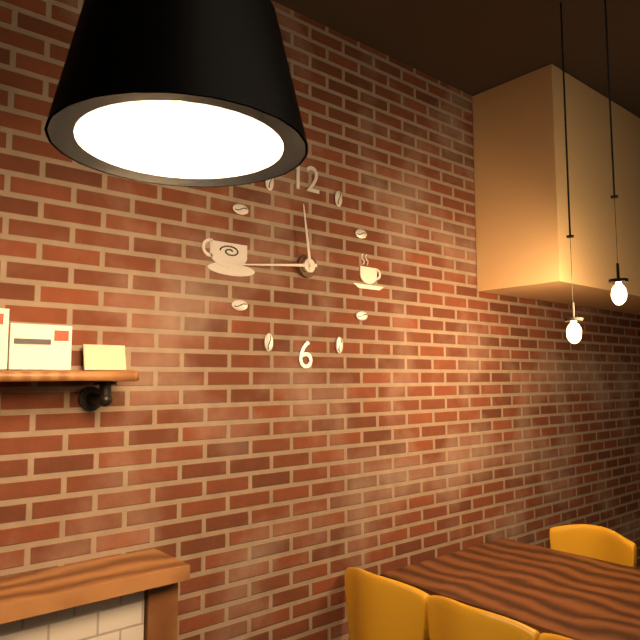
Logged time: {"hour": 11, "minute": 44}
